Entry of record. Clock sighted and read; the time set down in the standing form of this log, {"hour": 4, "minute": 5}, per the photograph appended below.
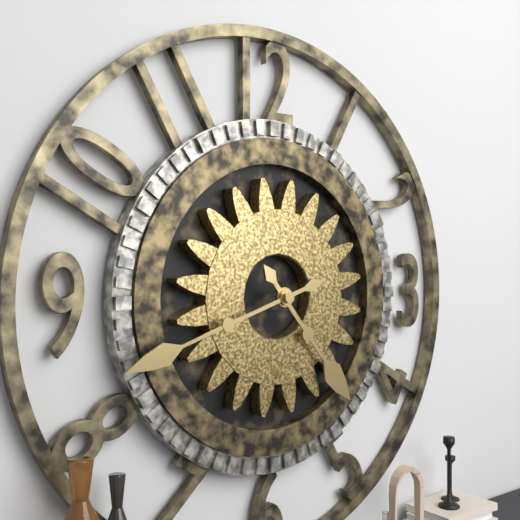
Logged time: {"hour": 4, "minute": 42}
